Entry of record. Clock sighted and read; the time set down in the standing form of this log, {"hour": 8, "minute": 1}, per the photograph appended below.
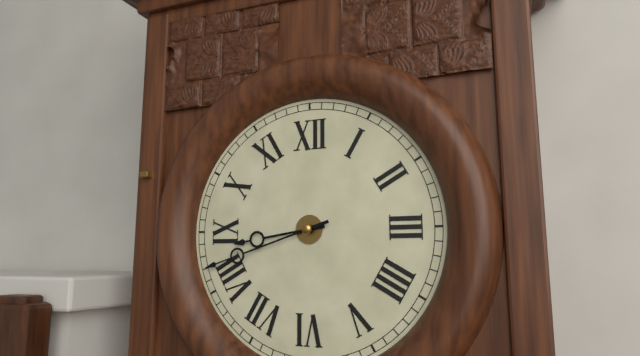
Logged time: {"hour": 8, "minute": 42}
